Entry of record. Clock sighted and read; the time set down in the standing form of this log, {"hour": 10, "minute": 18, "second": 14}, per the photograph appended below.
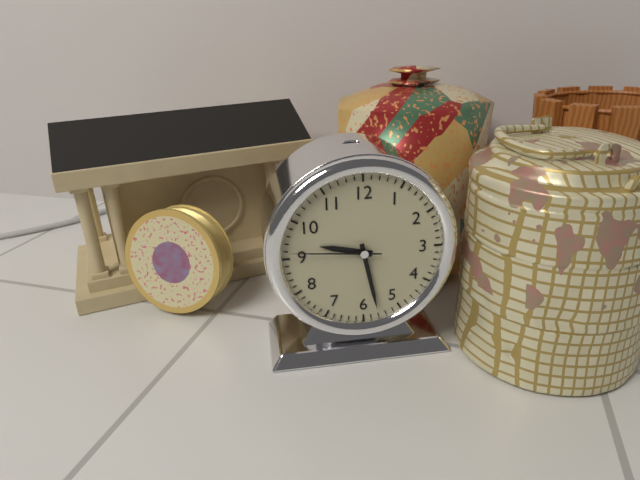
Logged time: {"hour": 9, "minute": 28, "second": 46}
